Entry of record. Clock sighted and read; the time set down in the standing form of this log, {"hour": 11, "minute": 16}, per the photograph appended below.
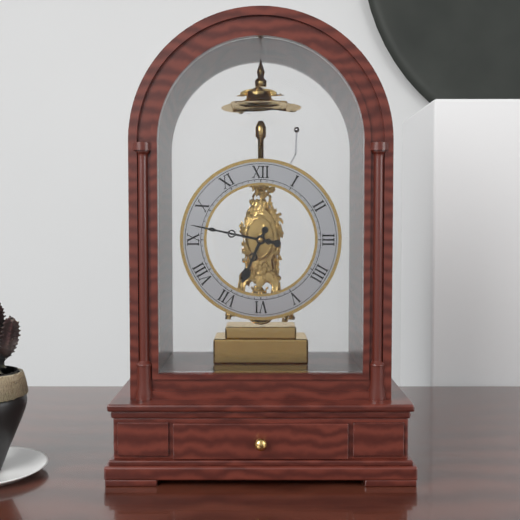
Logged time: {"hour": 6, "minute": 47}
